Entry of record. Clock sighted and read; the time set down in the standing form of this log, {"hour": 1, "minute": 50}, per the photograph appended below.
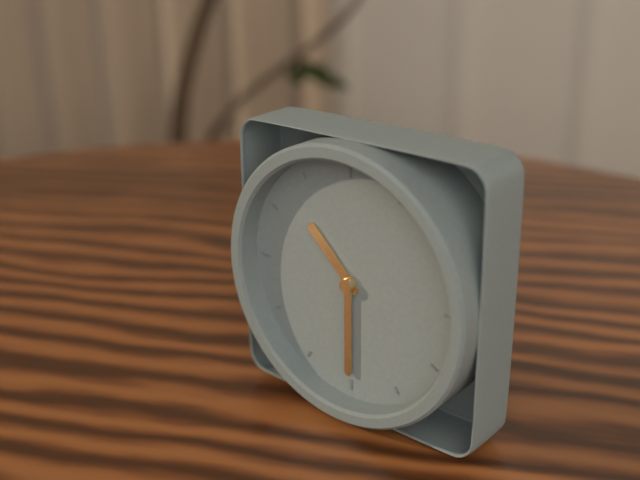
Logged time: {"hour": 10, "minute": 30}
